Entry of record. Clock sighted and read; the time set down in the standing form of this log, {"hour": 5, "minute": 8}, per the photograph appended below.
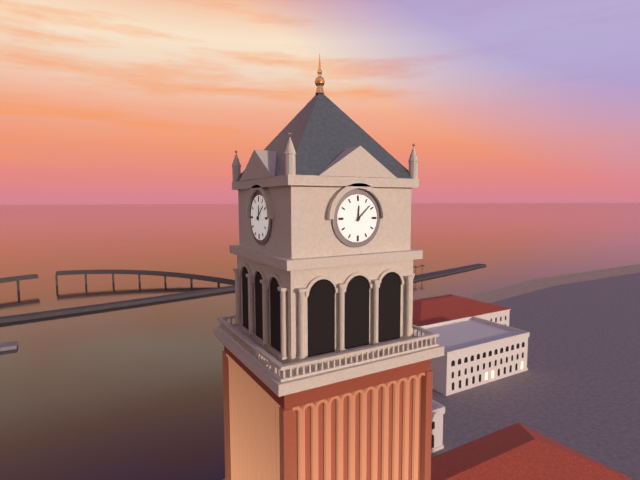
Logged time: {"hour": 12, "minute": 8}
